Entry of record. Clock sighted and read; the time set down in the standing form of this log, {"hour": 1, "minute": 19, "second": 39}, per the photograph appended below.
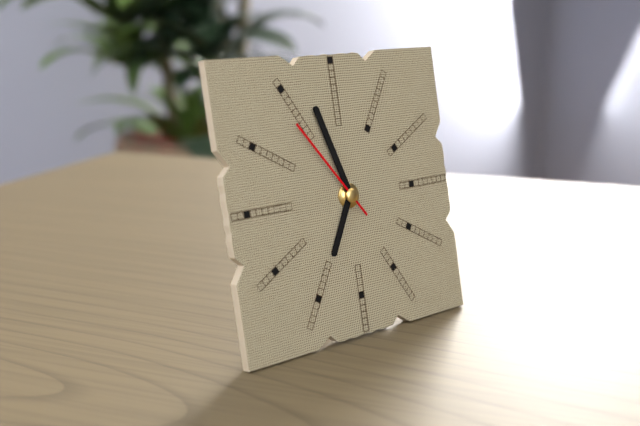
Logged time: {"hour": 6, "minute": 57, "second": 54}
